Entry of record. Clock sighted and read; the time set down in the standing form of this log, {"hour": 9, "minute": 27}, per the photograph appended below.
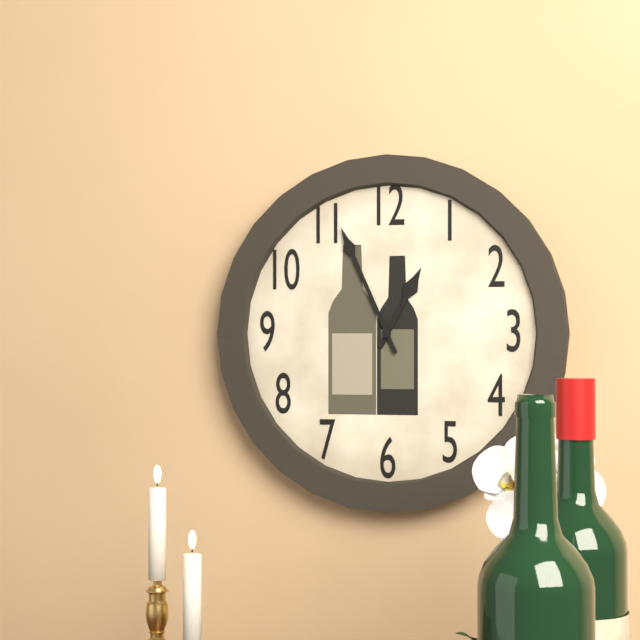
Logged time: {"hour": 12, "minute": 56}
